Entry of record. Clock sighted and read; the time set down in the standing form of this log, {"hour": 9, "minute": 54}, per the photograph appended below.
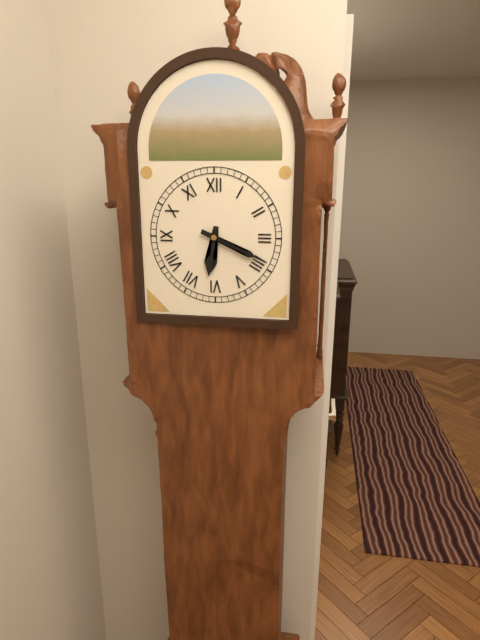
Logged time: {"hour": 6, "minute": 19}
